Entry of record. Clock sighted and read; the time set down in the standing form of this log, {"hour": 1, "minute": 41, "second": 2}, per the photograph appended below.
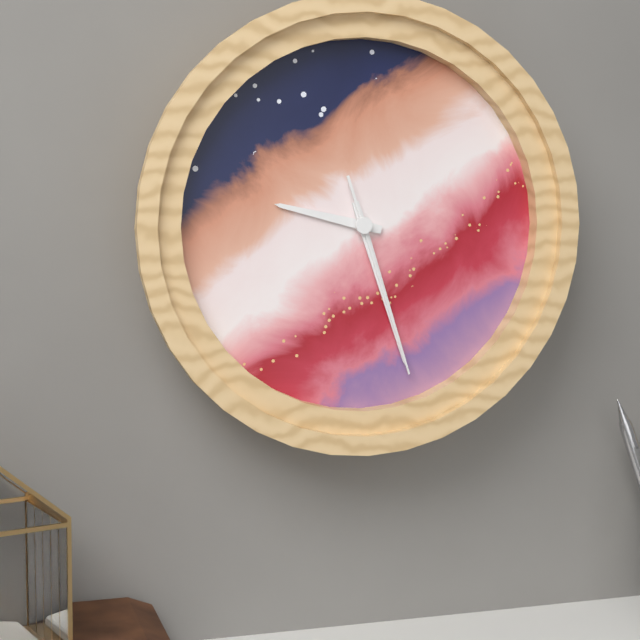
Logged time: {"hour": 9, "minute": 27, "second": 27}
